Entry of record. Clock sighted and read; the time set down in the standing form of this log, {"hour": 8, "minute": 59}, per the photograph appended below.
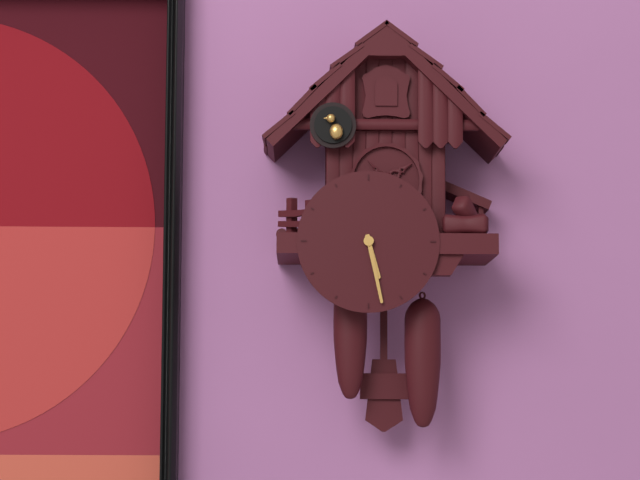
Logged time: {"hour": 5, "minute": 28}
